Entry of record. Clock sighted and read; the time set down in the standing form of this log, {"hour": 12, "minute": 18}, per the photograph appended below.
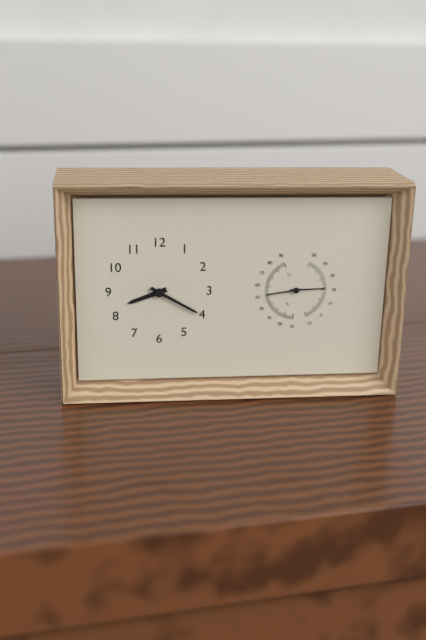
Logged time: {"hour": 8, "minute": 20}
